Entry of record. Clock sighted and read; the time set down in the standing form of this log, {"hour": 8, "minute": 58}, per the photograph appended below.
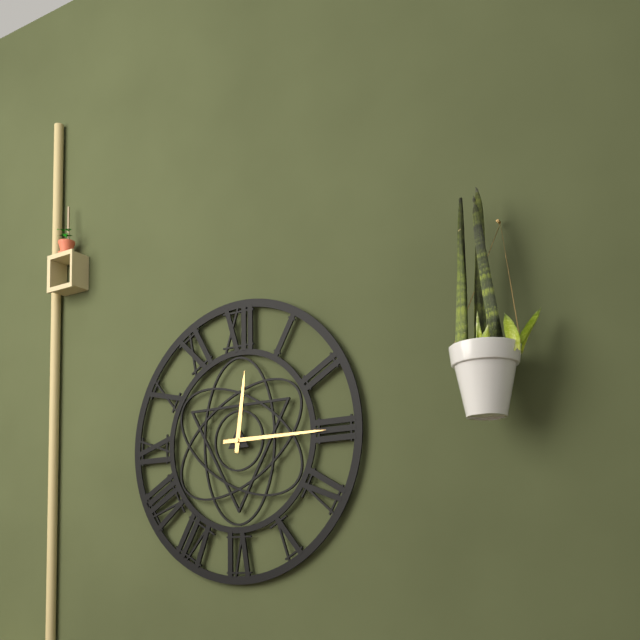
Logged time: {"hour": 12, "minute": 15}
